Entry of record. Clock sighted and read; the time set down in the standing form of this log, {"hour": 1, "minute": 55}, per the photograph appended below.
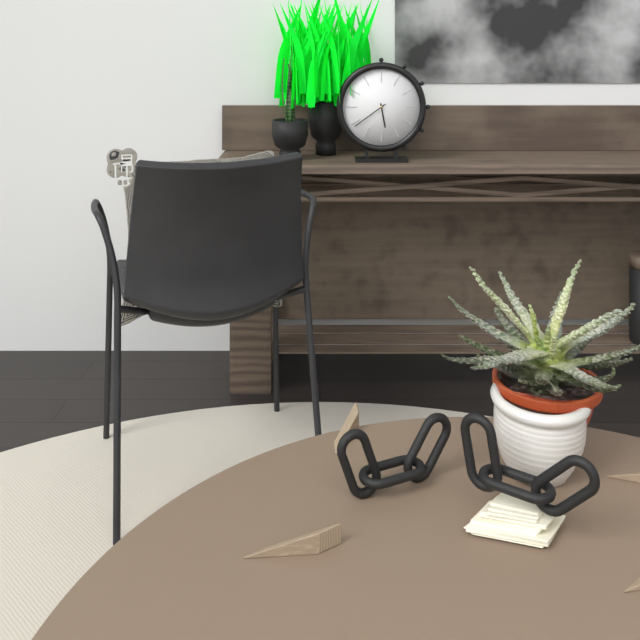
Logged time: {"hour": 5, "minute": 39}
